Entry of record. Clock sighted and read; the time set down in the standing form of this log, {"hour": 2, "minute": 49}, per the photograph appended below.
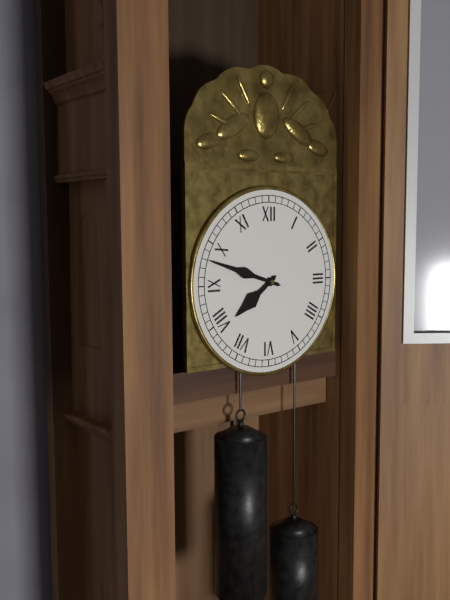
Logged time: {"hour": 7, "minute": 48}
